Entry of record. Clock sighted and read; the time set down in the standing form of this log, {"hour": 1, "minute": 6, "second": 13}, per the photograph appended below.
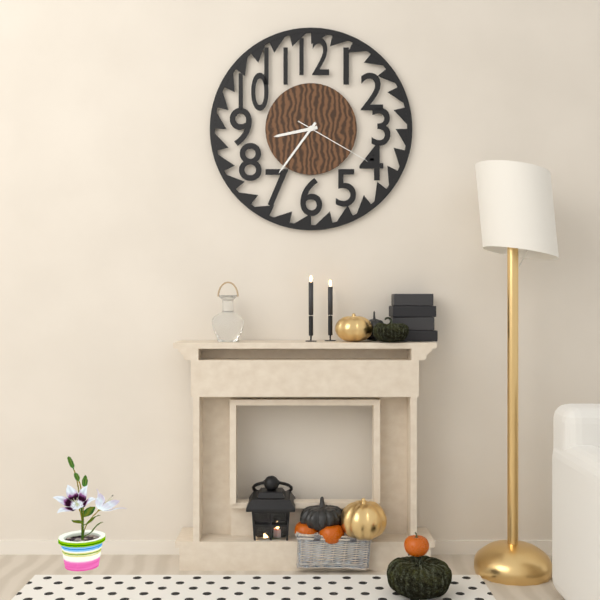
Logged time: {"hour": 8, "minute": 36, "second": 20}
